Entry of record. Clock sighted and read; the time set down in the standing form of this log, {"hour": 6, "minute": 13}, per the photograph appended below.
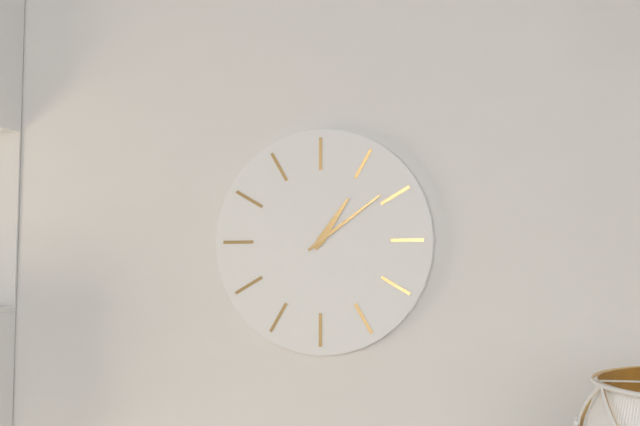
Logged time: {"hour": 1, "minute": 9}
